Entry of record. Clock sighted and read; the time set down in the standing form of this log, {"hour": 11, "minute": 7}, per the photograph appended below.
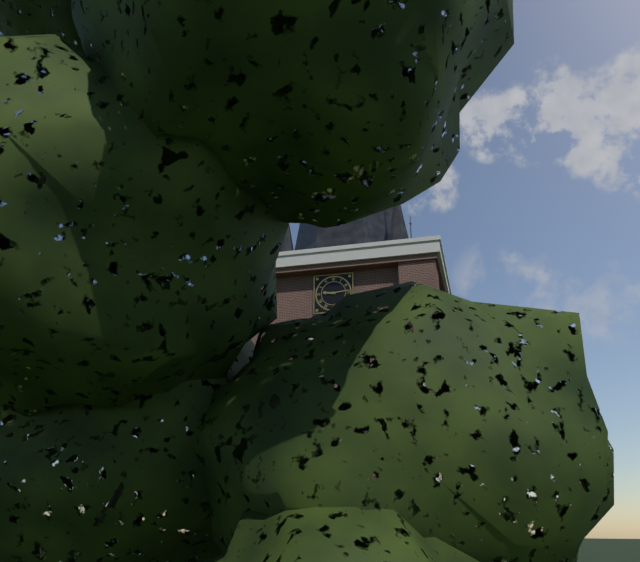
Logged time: {"hour": 9, "minute": 14}
